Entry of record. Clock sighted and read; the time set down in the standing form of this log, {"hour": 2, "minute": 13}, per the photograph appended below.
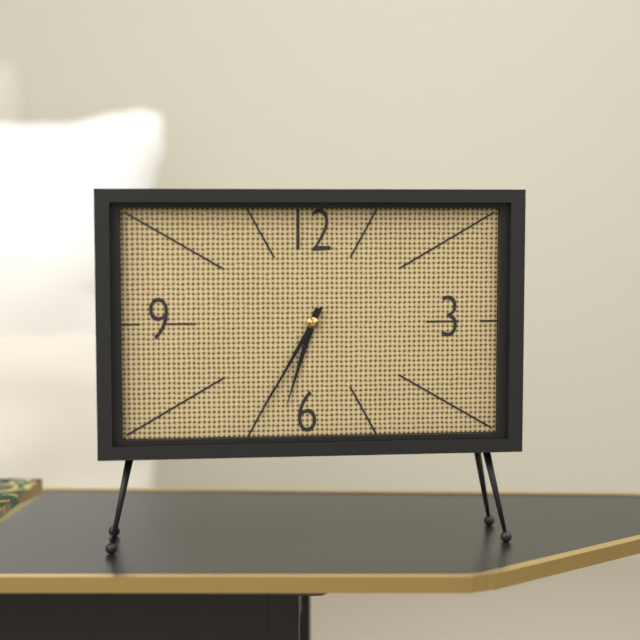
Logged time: {"hour": 6, "minute": 35}
